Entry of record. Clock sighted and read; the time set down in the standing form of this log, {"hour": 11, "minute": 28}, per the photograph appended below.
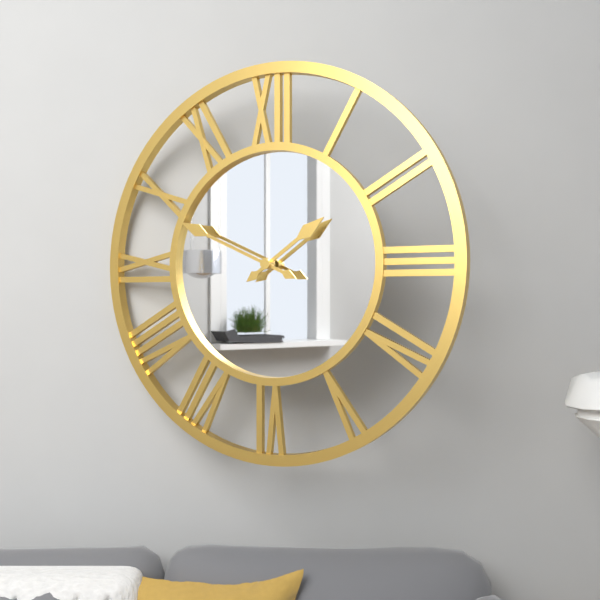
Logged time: {"hour": 1, "minute": 49}
